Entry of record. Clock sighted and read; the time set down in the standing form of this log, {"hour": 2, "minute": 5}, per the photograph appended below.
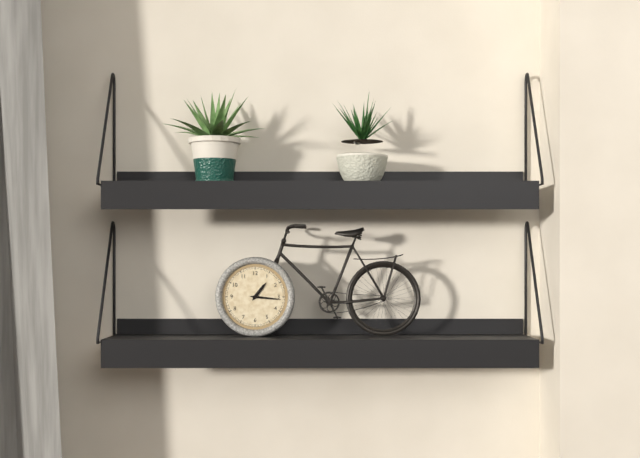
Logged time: {"hour": 1, "minute": 16}
